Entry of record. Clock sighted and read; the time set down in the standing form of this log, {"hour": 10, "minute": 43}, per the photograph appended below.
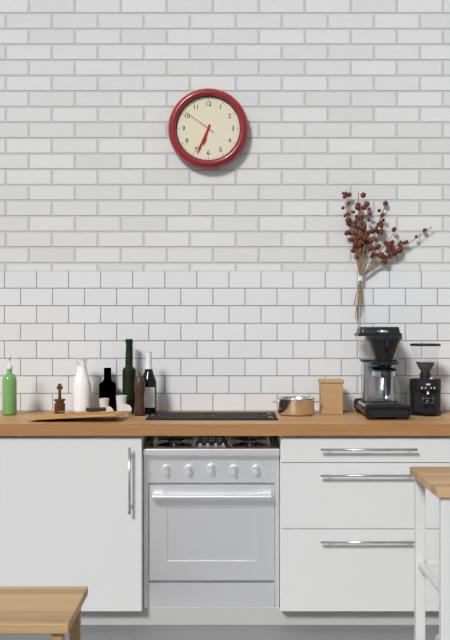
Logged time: {"hour": 6, "minute": 34}
